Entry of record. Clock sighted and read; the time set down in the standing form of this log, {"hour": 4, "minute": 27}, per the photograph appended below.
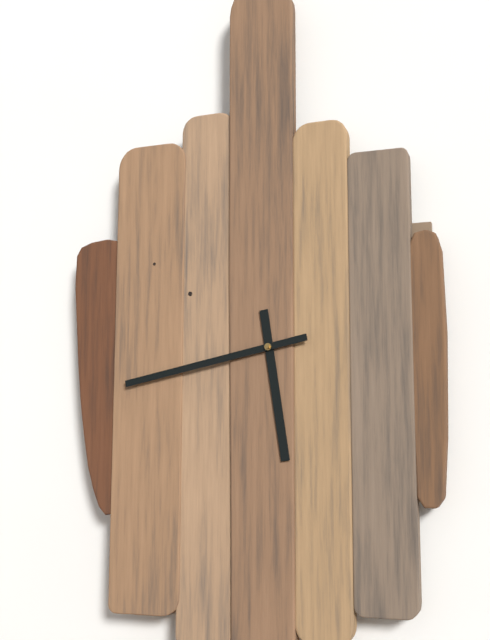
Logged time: {"hour": 5, "minute": 43}
